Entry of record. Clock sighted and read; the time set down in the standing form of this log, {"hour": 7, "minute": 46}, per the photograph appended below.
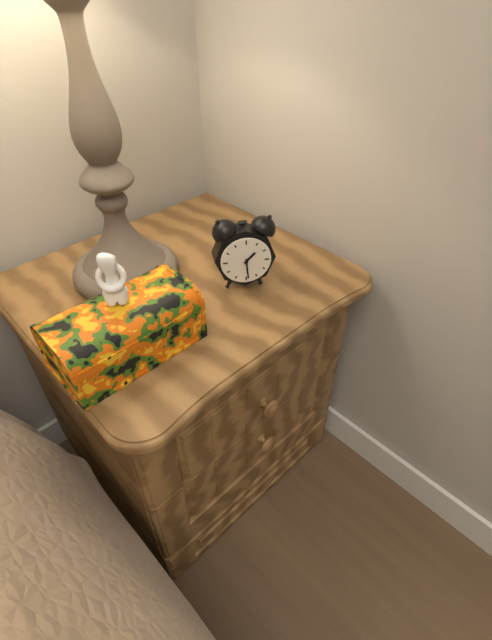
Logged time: {"hour": 1, "minute": 29}
